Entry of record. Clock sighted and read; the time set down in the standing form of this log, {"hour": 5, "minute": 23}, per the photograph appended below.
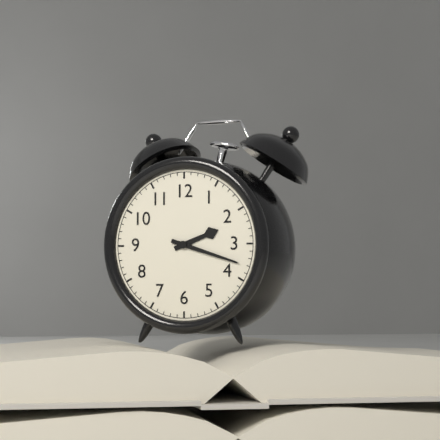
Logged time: {"hour": 2, "minute": 18}
